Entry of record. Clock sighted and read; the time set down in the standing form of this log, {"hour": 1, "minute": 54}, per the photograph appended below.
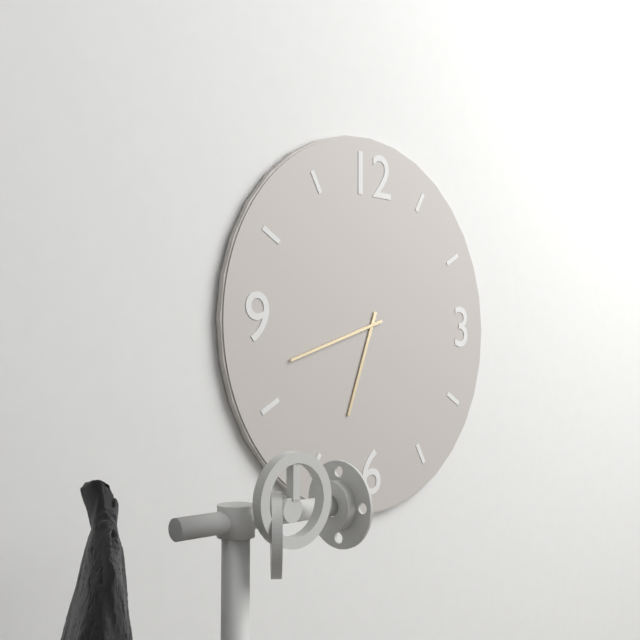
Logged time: {"hour": 6, "minute": 42}
